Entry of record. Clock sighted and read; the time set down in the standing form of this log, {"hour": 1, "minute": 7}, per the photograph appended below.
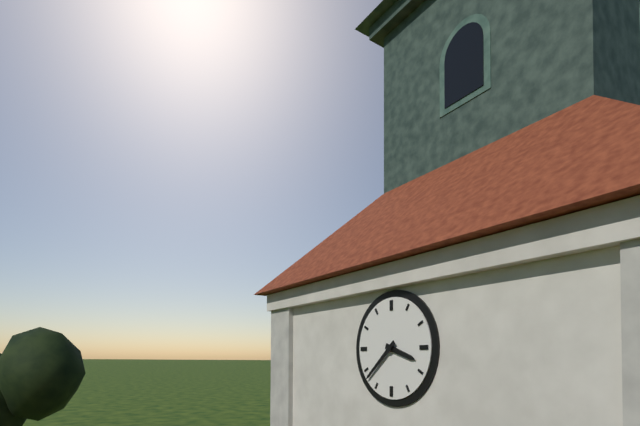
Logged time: {"hour": 3, "minute": 38}
